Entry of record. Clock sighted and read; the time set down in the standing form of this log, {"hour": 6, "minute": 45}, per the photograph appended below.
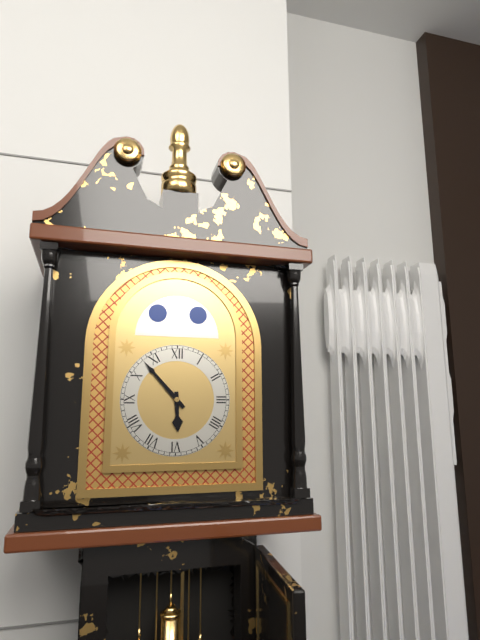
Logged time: {"hour": 5, "minute": 53}
